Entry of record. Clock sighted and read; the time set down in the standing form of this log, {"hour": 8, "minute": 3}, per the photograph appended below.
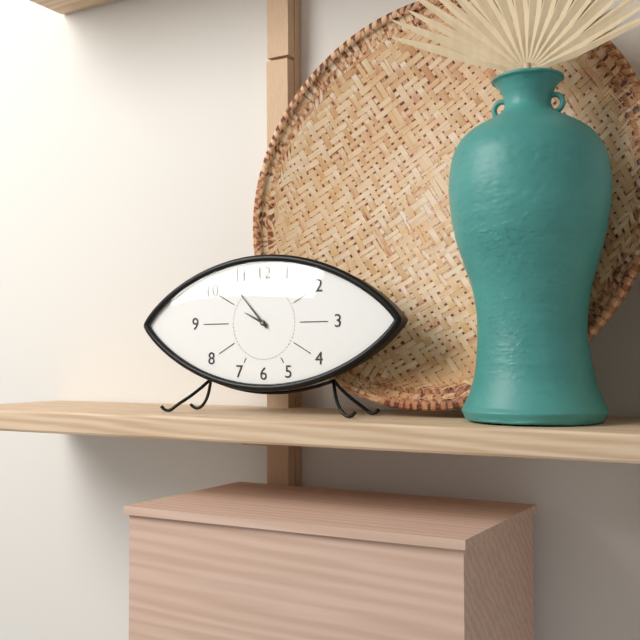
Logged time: {"hour": 9, "minute": 53}
